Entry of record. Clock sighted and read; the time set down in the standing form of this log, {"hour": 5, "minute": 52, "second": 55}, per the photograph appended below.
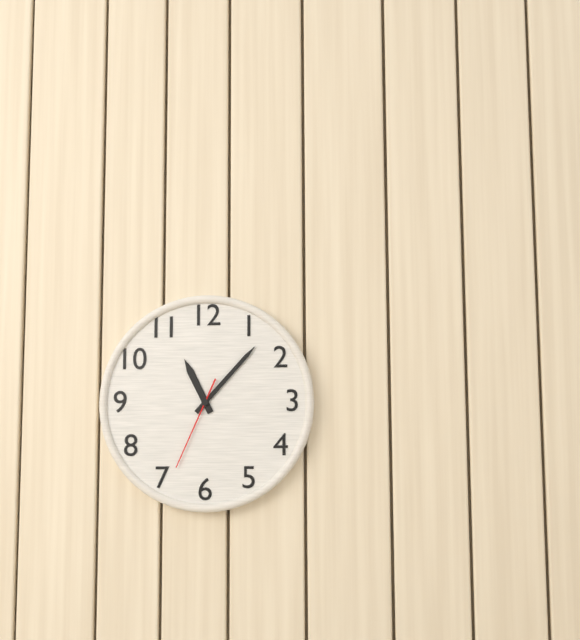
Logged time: {"hour": 11, "minute": 7, "second": 34}
